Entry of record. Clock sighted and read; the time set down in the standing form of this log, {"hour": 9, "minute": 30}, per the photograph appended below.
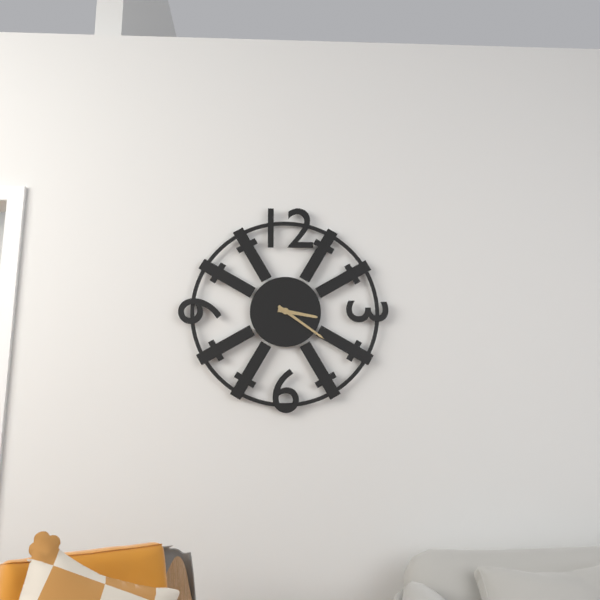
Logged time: {"hour": 3, "minute": 21}
